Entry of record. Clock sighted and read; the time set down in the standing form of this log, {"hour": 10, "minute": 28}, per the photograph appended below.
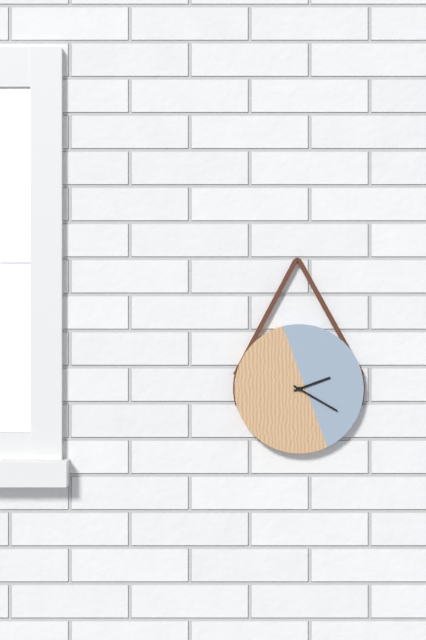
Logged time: {"hour": 2, "minute": 20}
